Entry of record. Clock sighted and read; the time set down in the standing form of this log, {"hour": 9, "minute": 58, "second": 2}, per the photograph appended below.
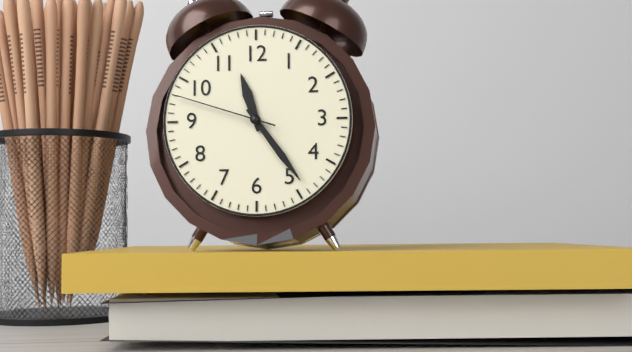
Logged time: {"hour": 11, "minute": 24, "second": 48}
